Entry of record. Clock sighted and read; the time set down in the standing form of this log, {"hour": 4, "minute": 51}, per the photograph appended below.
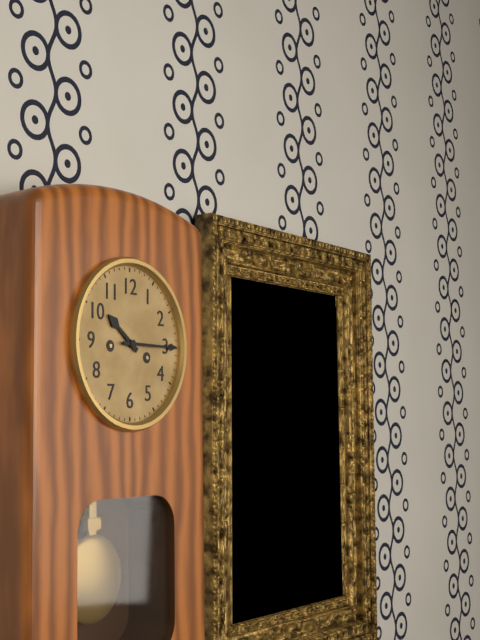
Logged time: {"hour": 10, "minute": 15}
